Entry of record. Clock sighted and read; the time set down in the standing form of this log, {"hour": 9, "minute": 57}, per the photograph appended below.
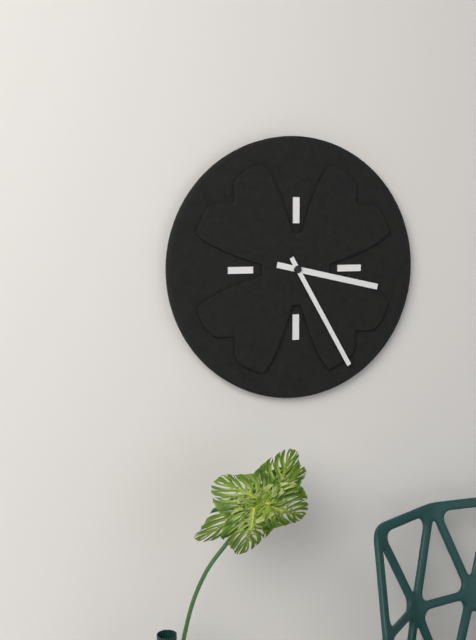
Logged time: {"hour": 3, "minute": 25}
